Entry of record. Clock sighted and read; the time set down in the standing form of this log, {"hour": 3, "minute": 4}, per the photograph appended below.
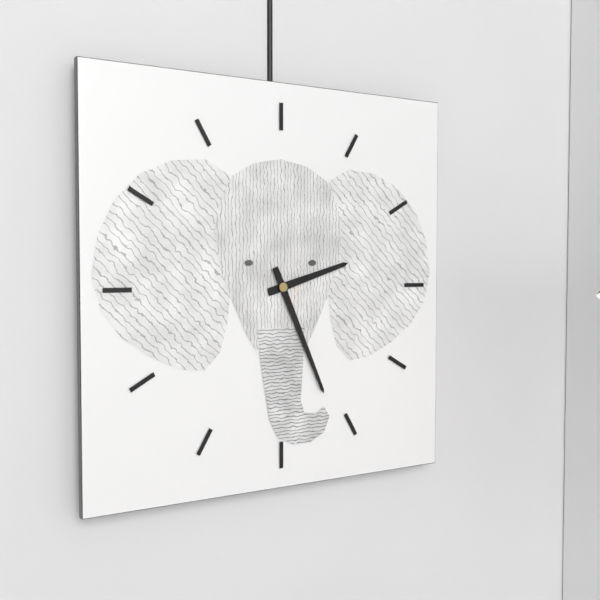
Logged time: {"hour": 2, "minute": 26}
